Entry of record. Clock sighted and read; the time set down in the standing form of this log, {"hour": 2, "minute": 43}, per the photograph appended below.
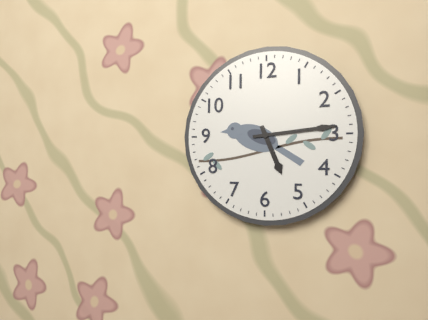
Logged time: {"hour": 5, "minute": 14}
